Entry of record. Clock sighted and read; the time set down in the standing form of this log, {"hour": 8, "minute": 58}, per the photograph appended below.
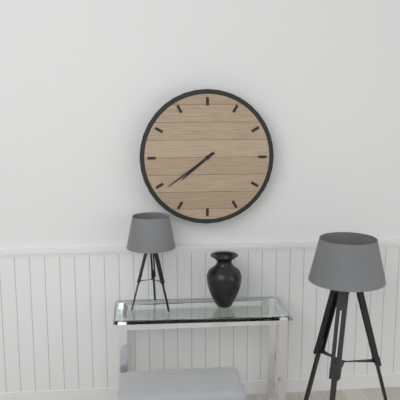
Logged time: {"hour": 7, "minute": 39}
